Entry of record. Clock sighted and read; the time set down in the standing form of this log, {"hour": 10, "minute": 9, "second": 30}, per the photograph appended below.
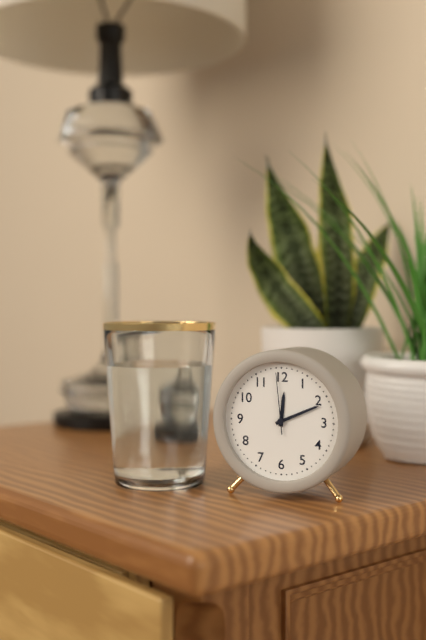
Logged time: {"hour": 12, "minute": 11, "second": 59}
